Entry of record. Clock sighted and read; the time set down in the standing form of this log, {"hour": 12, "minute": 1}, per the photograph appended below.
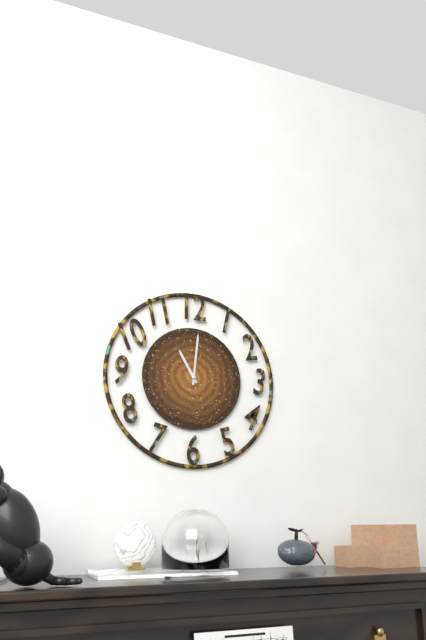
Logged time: {"hour": 11, "minute": 1}
